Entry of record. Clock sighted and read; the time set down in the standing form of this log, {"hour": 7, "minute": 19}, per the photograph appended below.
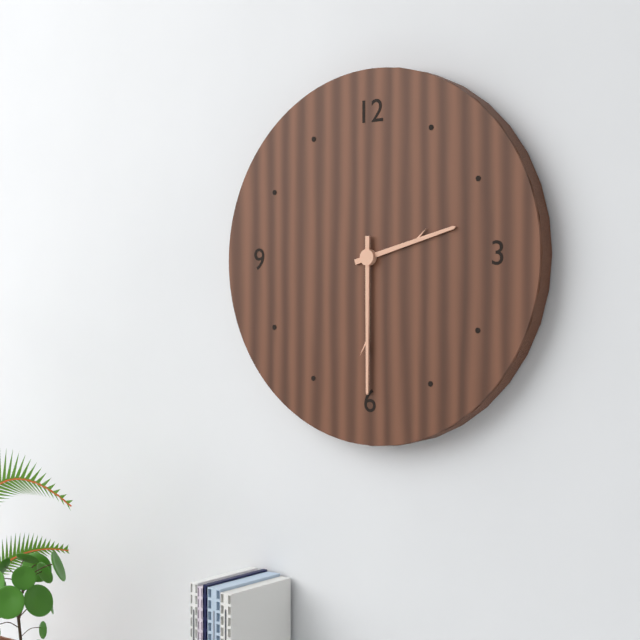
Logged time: {"hour": 2, "minute": 30}
